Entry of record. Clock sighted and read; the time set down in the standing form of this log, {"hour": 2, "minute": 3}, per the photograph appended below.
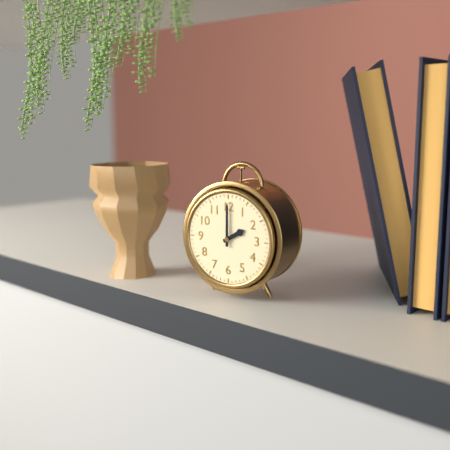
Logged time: {"hour": 2, "minute": 0}
